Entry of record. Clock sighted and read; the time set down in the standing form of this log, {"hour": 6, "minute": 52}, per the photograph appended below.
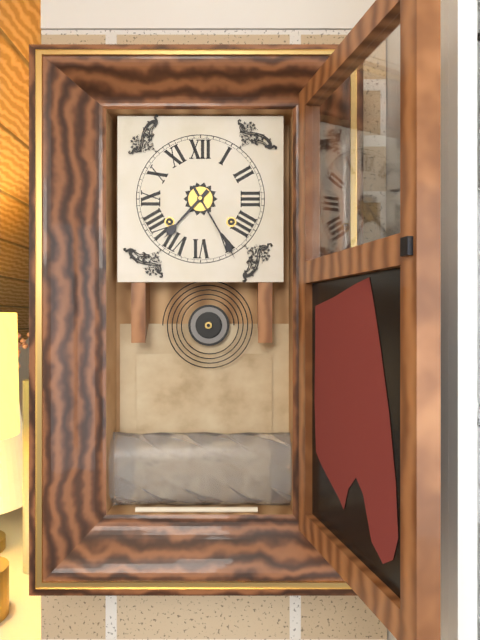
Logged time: {"hour": 7, "minute": 25}
